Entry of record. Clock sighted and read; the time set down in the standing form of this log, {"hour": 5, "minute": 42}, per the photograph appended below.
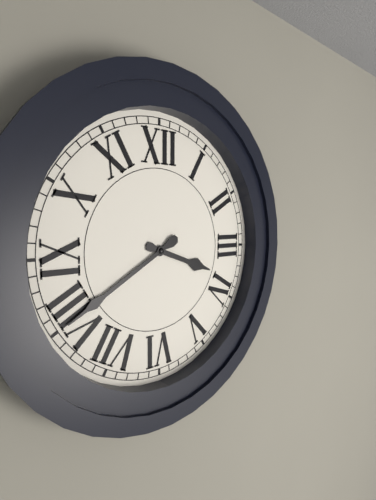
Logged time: {"hour": 3, "minute": 40}
